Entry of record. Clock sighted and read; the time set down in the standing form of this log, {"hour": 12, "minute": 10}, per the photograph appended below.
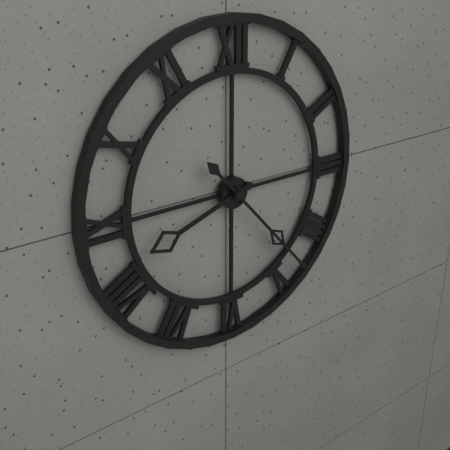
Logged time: {"hour": 8, "minute": 23}
